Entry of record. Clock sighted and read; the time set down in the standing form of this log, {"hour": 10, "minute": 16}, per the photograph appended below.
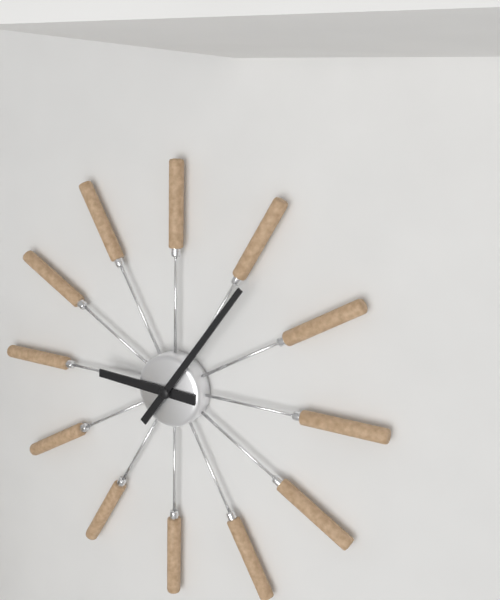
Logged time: {"hour": 9, "minute": 6}
